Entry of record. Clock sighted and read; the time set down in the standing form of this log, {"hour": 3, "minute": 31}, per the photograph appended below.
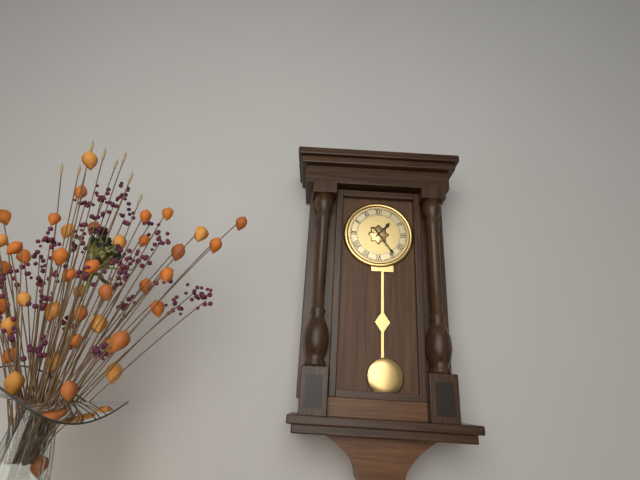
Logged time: {"hour": 1, "minute": 24}
